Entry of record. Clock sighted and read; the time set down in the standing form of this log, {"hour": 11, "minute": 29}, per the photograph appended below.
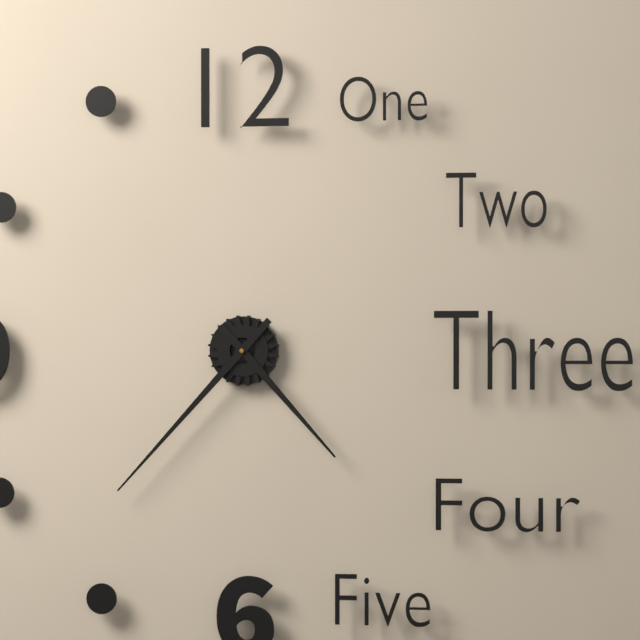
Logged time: {"hour": 4, "minute": 37}
